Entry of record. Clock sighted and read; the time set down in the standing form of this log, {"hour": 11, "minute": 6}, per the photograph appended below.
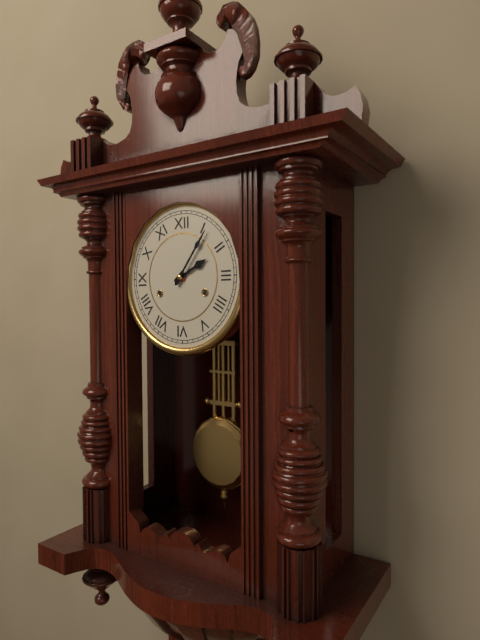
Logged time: {"hour": 2, "minute": 6}
